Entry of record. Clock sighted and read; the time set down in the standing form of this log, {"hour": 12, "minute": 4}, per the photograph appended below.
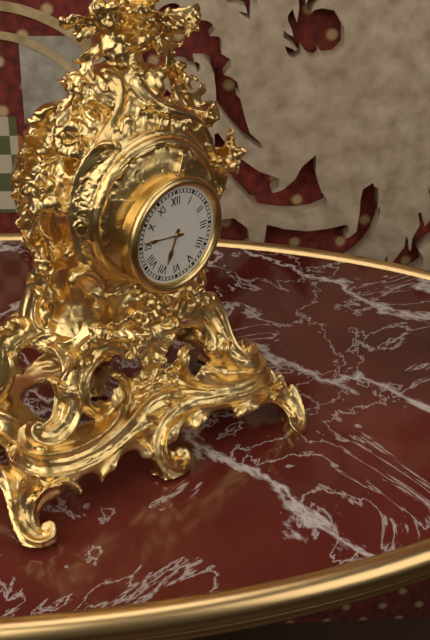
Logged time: {"hour": 6, "minute": 46}
